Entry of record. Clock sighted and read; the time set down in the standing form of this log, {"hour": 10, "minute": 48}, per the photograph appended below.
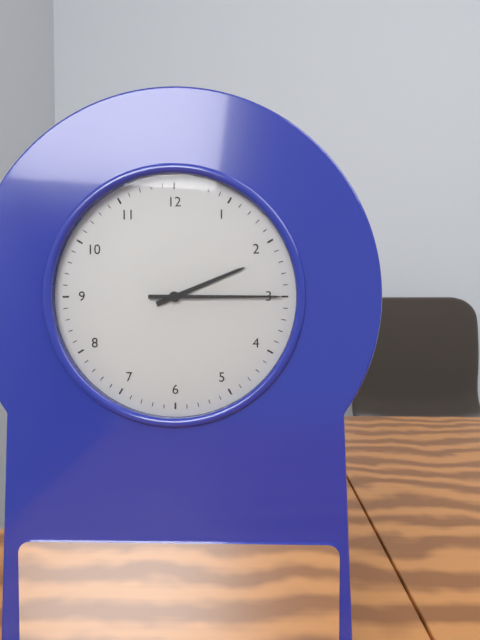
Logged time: {"hour": 2, "minute": 15}
